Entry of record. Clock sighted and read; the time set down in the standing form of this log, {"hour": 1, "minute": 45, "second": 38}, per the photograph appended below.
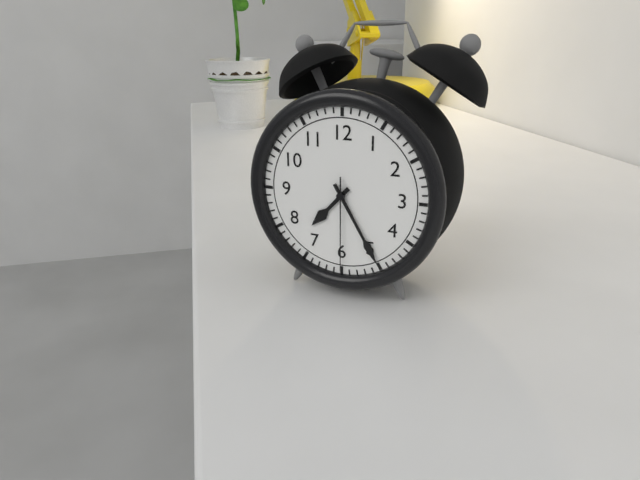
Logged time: {"hour": 7, "minute": 25, "second": 30}
